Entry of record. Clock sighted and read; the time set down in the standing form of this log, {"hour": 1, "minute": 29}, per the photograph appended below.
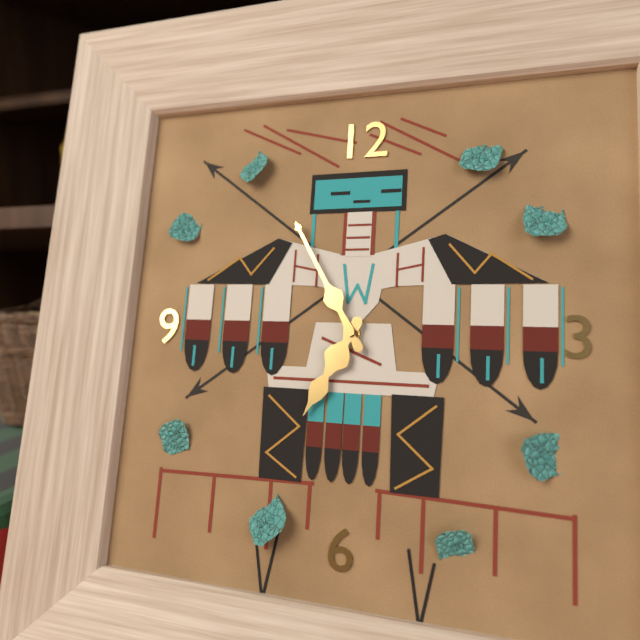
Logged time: {"hour": 6, "minute": 55}
